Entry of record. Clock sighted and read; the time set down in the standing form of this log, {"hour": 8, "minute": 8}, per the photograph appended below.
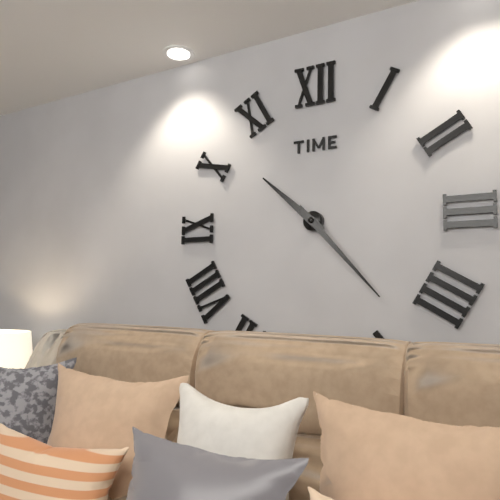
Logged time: {"hour": 10, "minute": 23}
